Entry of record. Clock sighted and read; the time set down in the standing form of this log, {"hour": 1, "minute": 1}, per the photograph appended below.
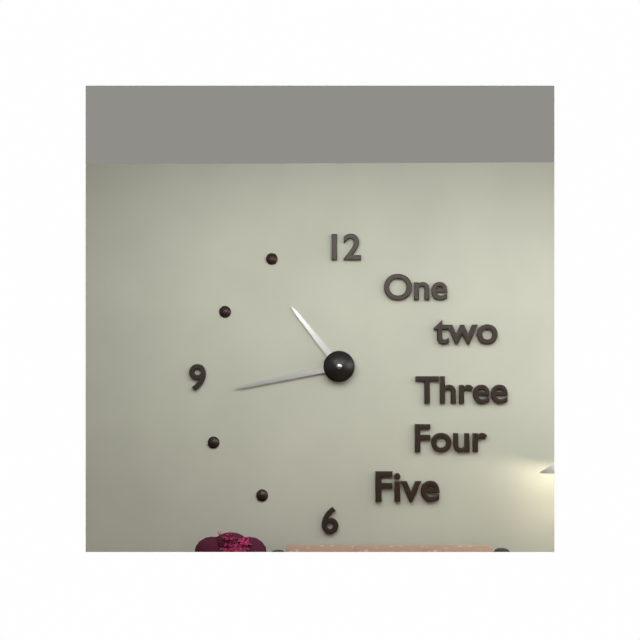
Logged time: {"hour": 10, "minute": 43}
